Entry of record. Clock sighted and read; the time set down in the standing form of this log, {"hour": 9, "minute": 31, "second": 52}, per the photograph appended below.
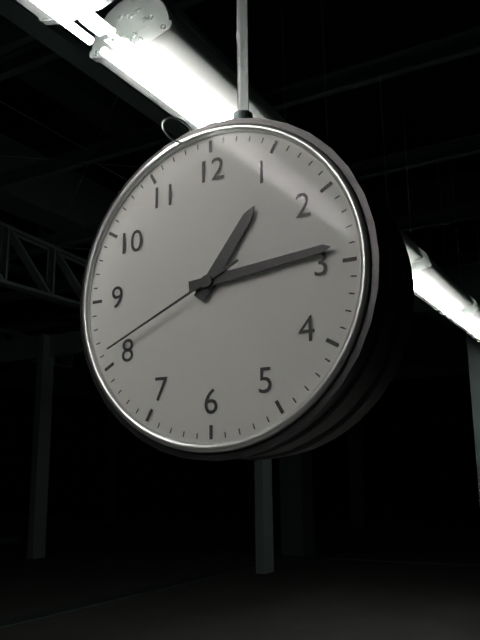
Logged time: {"hour": 1, "minute": 14, "second": 41}
